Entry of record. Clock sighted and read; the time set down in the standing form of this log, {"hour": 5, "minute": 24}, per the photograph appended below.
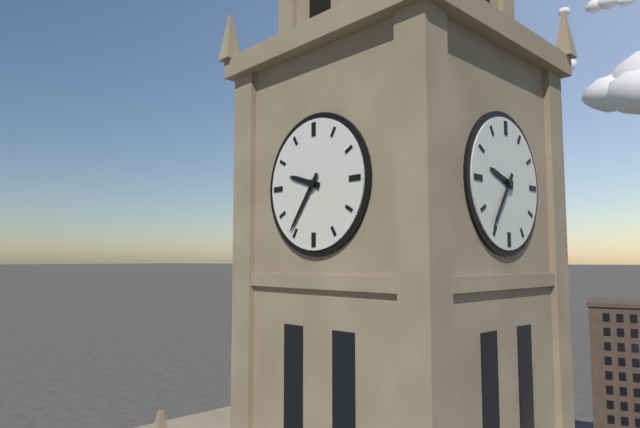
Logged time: {"hour": 9, "minute": 36}
